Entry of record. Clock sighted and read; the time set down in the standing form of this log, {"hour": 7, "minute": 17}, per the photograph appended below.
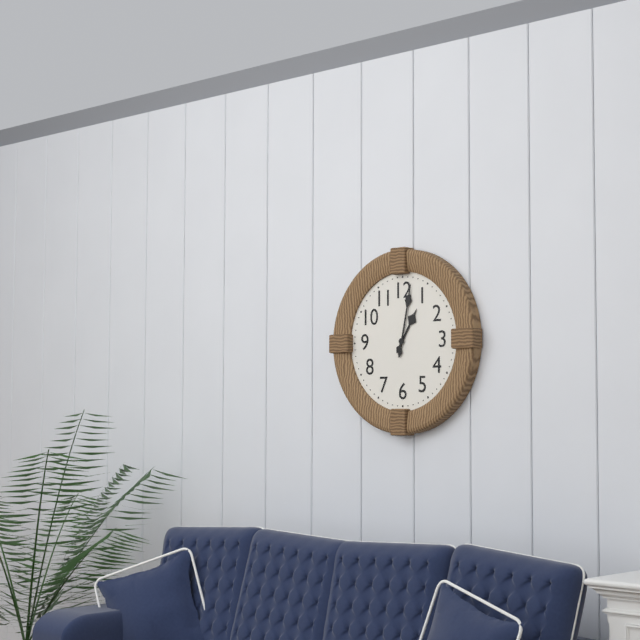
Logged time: {"hour": 1, "minute": 2}
